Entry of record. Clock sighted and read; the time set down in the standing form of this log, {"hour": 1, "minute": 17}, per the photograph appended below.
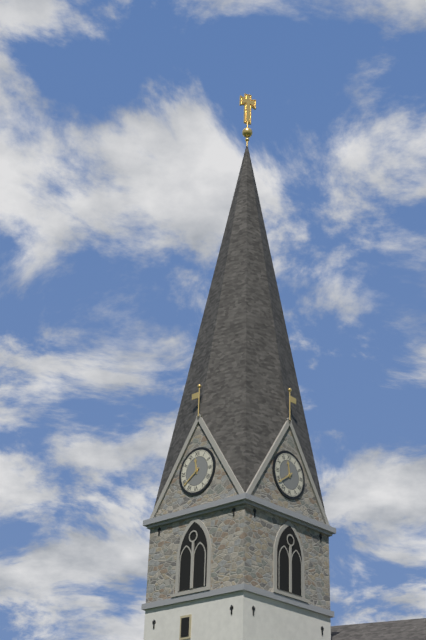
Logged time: {"hour": 11, "minute": 39}
